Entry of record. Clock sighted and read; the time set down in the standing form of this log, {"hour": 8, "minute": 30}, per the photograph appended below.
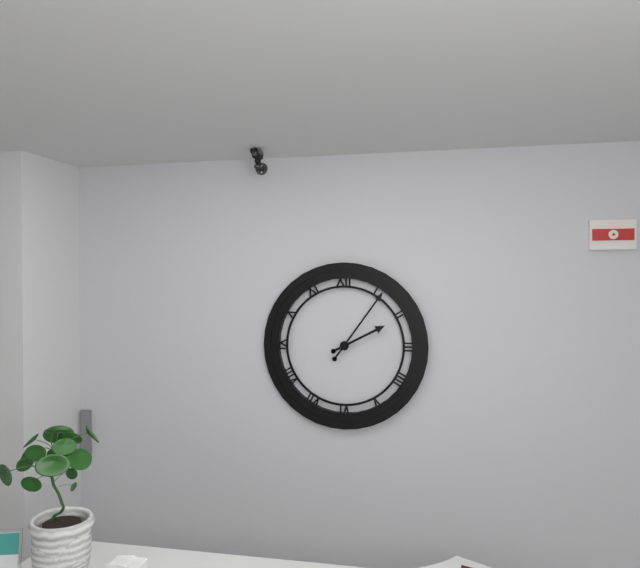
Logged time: {"hour": 2, "minute": 6}
